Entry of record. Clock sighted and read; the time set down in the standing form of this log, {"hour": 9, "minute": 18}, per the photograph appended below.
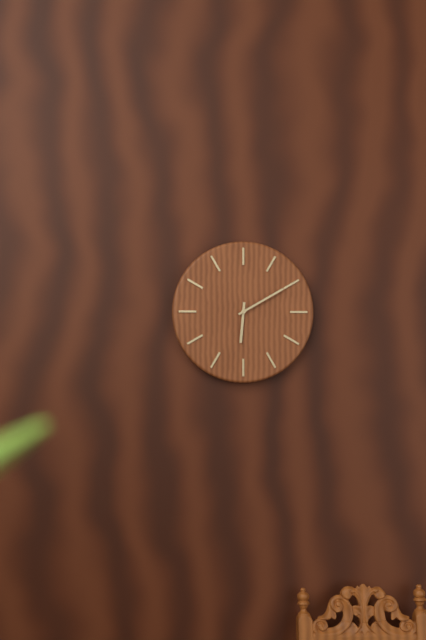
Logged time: {"hour": 6, "minute": 10}
